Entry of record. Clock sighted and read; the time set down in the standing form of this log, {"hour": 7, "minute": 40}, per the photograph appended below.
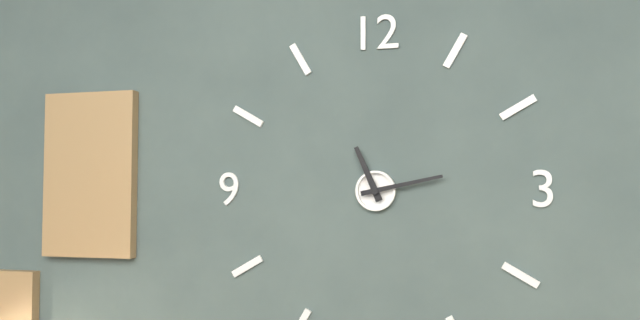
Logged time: {"hour": 11, "minute": 13}
